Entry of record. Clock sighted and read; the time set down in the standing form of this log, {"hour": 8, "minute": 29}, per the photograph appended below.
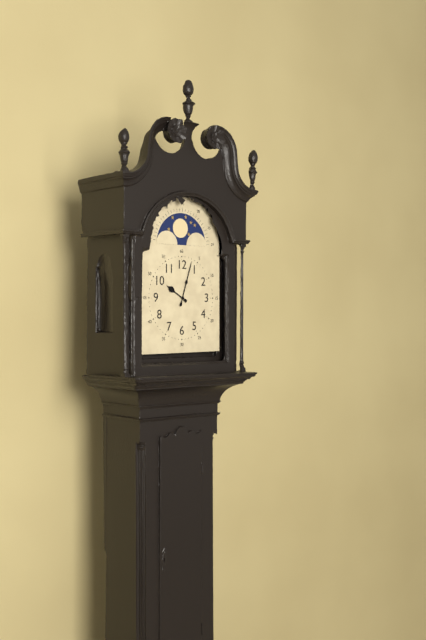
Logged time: {"hour": 10, "minute": 3}
